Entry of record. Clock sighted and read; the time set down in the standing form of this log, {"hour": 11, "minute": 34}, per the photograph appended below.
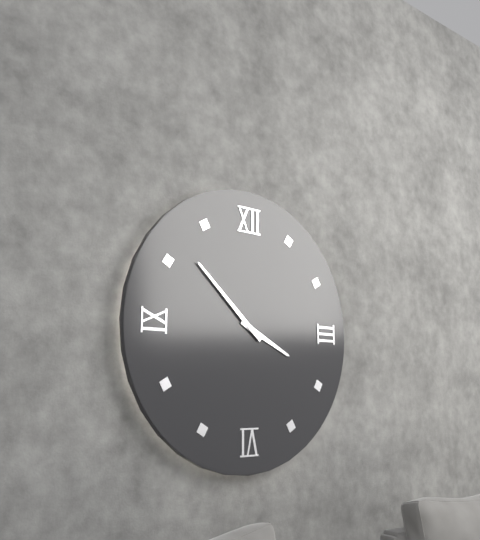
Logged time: {"hour": 3, "minute": 52}
